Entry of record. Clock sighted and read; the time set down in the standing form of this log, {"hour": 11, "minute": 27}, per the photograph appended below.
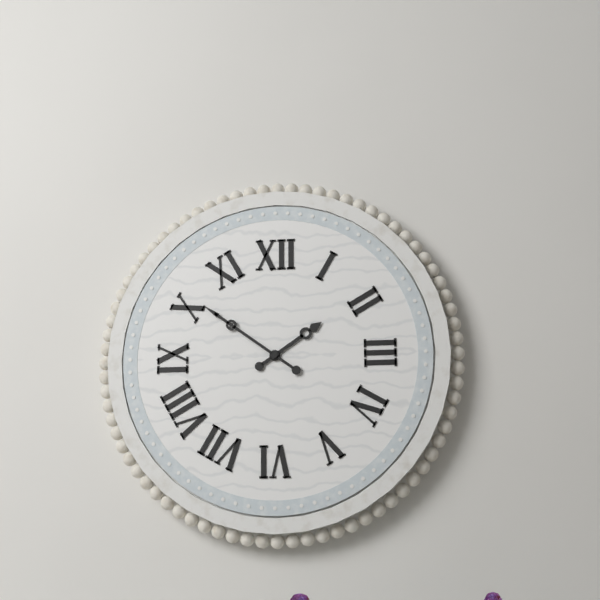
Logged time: {"hour": 1, "minute": 51}
